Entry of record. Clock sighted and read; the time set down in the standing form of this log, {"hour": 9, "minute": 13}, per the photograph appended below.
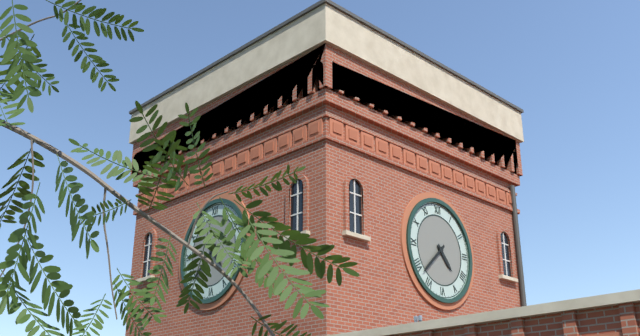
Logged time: {"hour": 4, "minute": 38}
